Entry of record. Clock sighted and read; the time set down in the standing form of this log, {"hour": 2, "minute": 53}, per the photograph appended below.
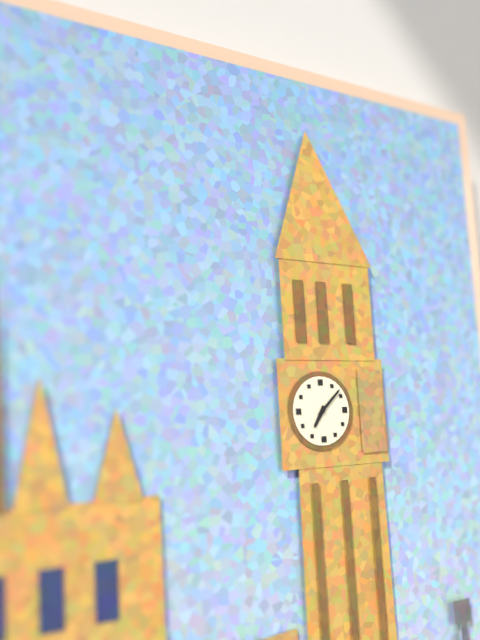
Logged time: {"hour": 7, "minute": 8}
